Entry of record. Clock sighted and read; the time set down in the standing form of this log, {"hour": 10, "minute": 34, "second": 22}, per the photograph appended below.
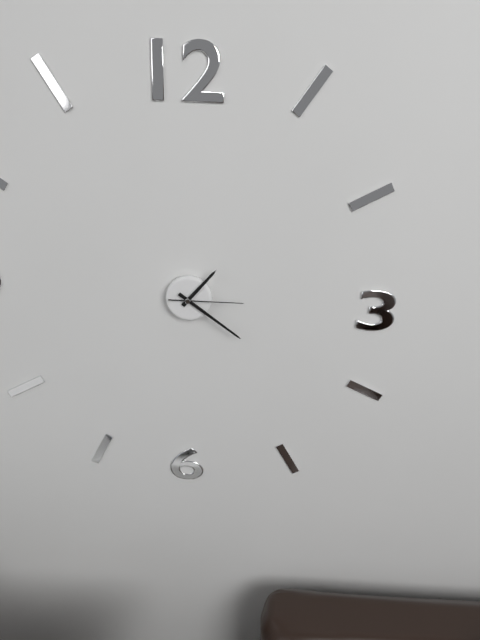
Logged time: {"hour": 1, "minute": 21, "second": 15}
